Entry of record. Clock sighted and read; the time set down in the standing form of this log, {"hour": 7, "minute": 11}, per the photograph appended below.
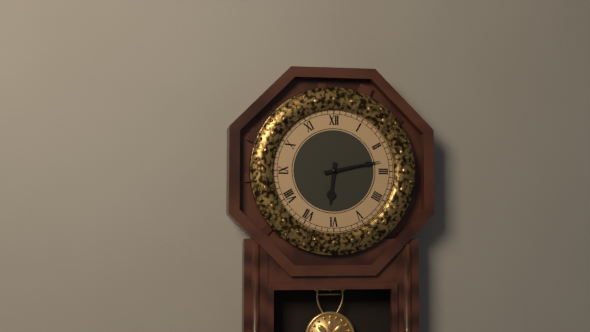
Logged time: {"hour": 6, "minute": 13}
